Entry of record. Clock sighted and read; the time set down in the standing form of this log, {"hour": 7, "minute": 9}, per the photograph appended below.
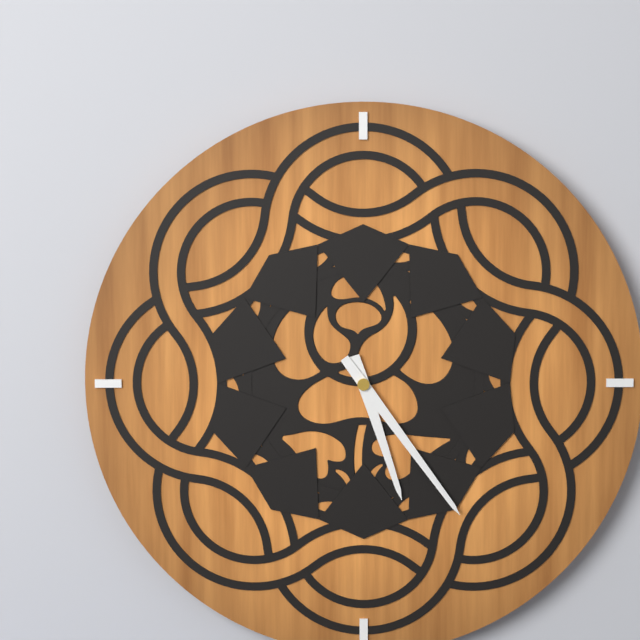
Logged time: {"hour": 5, "minute": 24}
